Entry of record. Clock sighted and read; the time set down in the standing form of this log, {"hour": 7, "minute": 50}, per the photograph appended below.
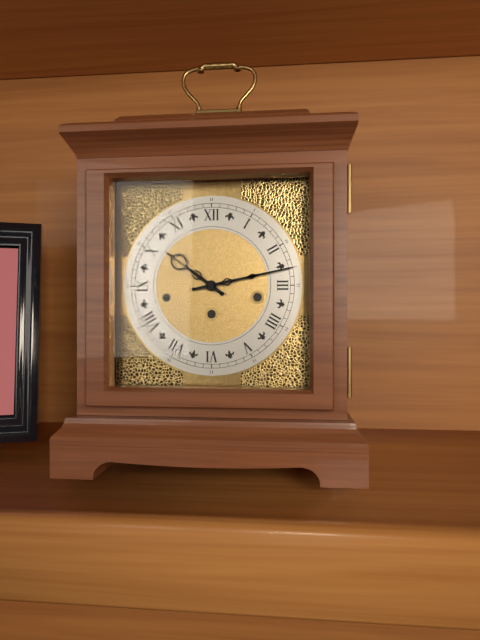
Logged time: {"hour": 10, "minute": 13}
